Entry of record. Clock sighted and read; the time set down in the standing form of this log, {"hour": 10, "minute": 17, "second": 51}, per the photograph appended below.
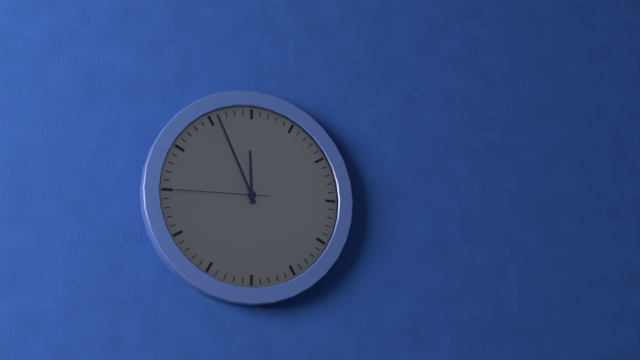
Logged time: {"hour": 11, "minute": 56, "second": 45}
